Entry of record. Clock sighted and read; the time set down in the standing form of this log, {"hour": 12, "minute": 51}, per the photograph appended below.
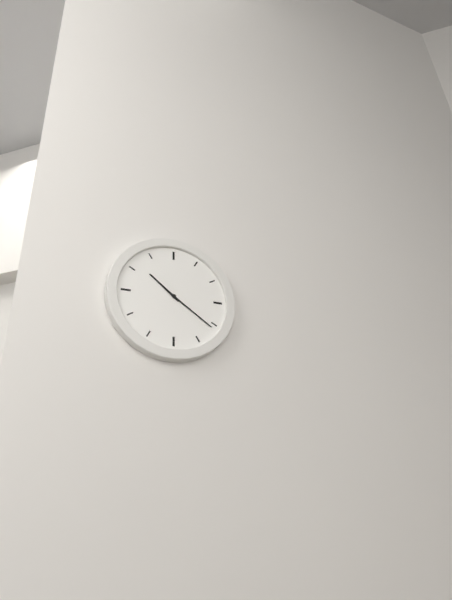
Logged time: {"hour": 10, "minute": 21}
